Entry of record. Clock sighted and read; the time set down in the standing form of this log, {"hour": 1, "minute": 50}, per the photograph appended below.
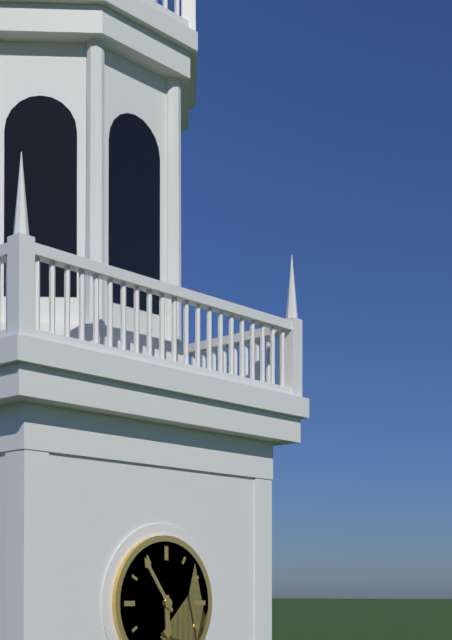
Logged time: {"hour": 5, "minute": 54}
